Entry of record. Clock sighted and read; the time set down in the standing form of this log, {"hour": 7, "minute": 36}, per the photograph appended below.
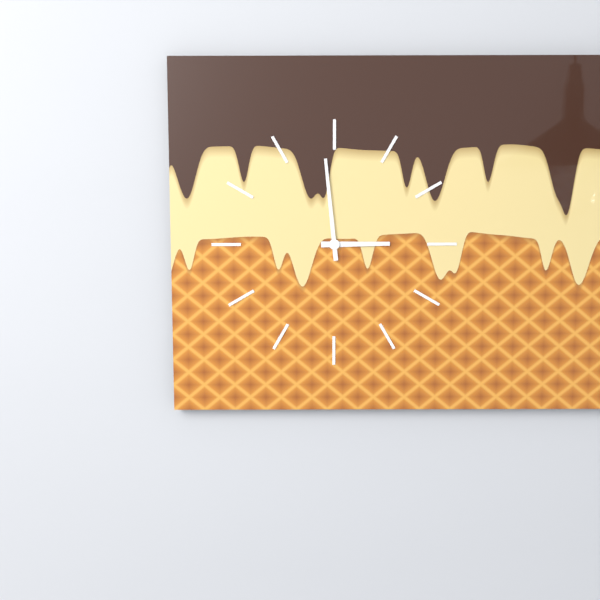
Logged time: {"hour": 2, "minute": 59}
